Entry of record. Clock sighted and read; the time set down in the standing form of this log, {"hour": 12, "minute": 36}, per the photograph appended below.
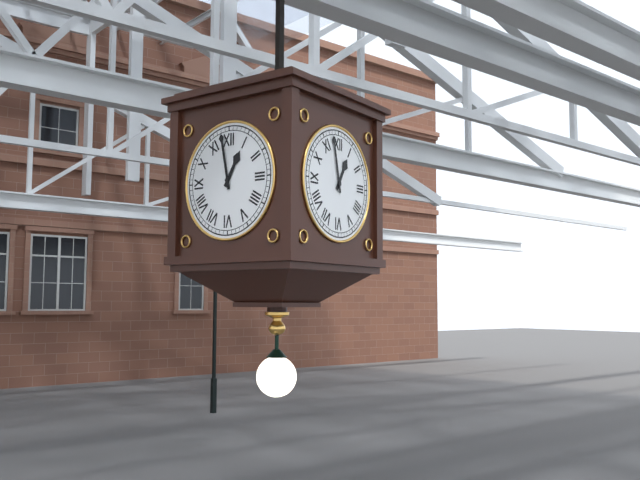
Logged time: {"hour": 12, "minute": 58}
